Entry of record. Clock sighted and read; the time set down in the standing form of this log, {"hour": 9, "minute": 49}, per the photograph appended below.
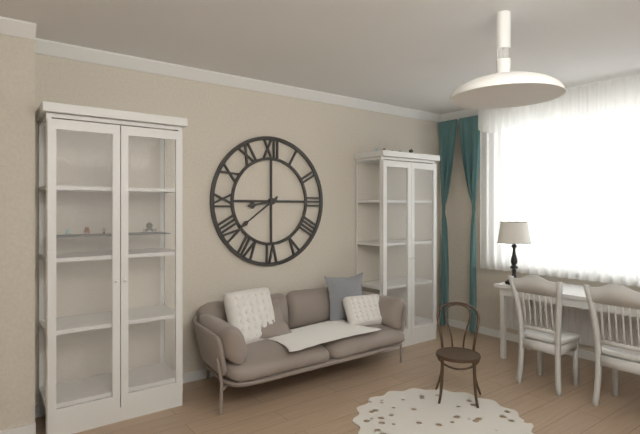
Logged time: {"hour": 8, "minute": 39}
